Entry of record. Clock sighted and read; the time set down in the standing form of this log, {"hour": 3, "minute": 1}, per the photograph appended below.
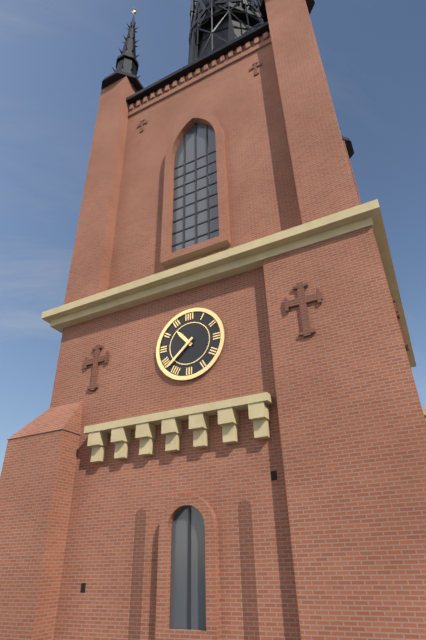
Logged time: {"hour": 10, "minute": 38}
